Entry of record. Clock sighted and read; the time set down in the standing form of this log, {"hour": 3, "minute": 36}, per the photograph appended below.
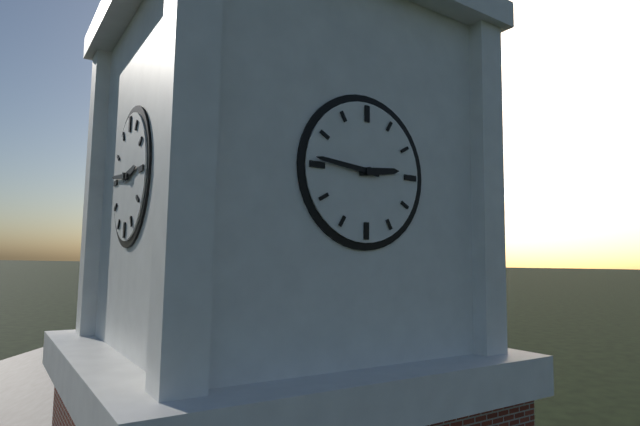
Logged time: {"hour": 2, "minute": 46}
